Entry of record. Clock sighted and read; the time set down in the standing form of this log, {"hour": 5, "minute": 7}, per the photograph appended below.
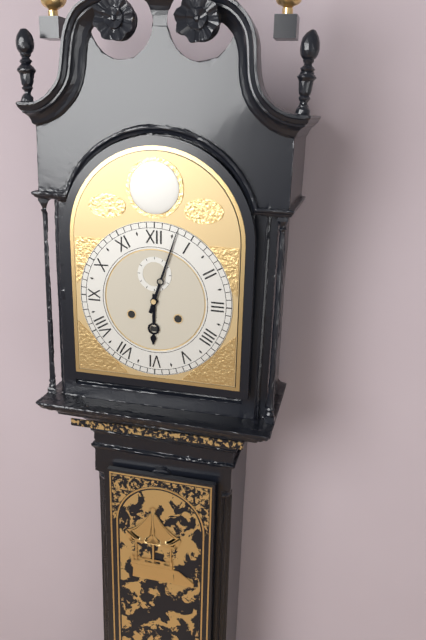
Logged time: {"hour": 6, "minute": 3}
